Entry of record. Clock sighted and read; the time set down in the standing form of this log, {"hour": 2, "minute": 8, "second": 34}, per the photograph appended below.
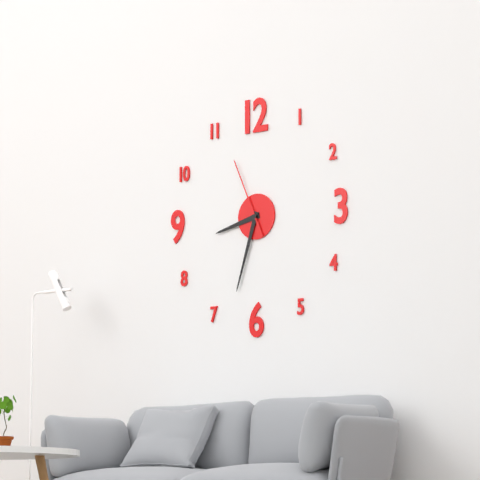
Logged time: {"hour": 8, "minute": 33, "second": 56}
